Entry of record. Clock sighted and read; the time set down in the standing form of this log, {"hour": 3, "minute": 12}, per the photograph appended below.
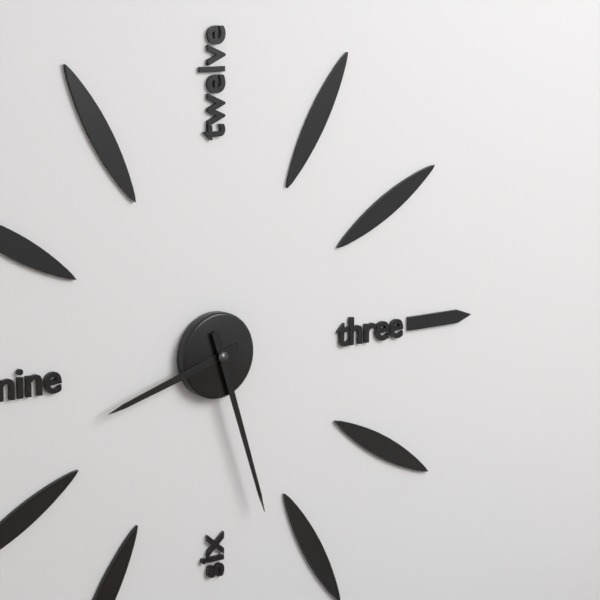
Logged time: {"hour": 8, "minute": 27}
